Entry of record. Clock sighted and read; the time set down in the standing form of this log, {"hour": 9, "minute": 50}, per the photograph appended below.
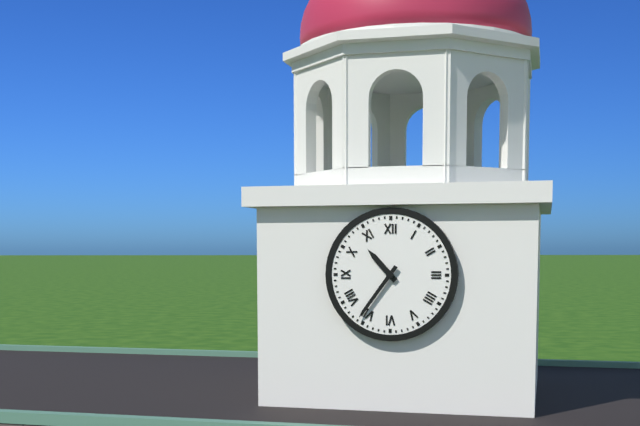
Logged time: {"hour": 10, "minute": 36}
